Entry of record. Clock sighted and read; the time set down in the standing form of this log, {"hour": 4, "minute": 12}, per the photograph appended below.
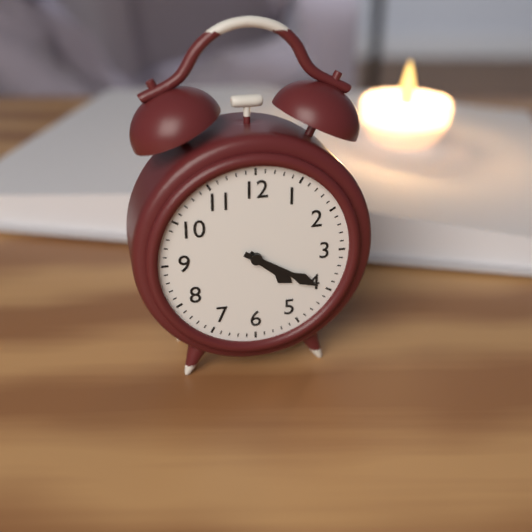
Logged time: {"hour": 4, "minute": 20}
